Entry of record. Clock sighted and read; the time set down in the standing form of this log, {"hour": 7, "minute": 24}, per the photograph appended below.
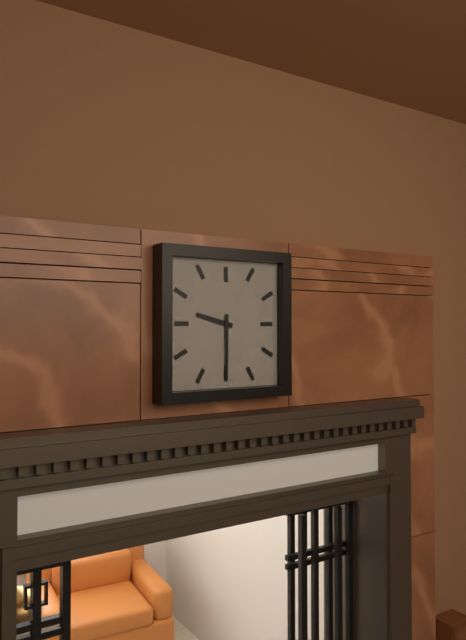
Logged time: {"hour": 9, "minute": 30}
